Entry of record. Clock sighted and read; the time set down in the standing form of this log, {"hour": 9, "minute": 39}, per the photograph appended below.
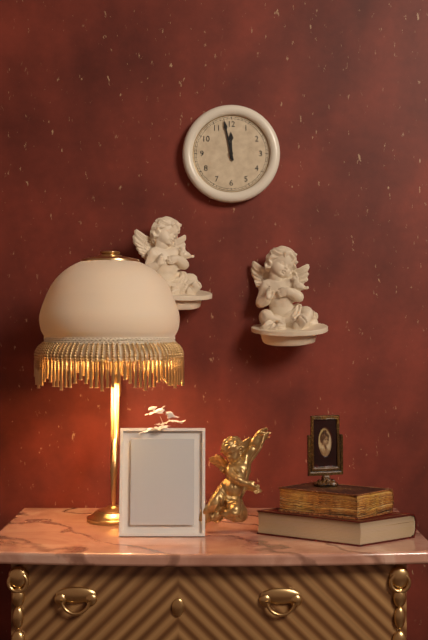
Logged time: {"hour": 11, "minute": 58}
